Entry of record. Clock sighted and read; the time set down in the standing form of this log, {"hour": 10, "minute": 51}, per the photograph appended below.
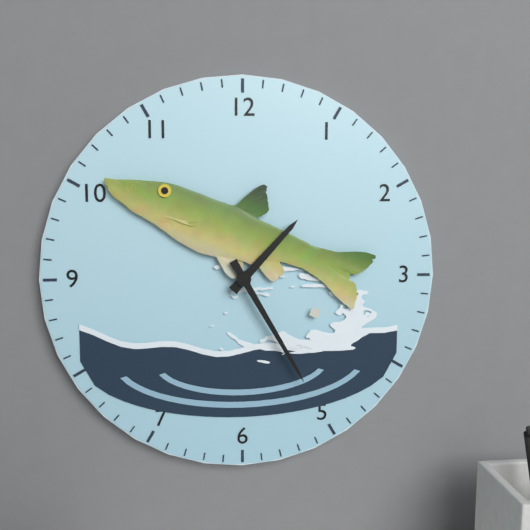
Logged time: {"hour": 1, "minute": 25}
